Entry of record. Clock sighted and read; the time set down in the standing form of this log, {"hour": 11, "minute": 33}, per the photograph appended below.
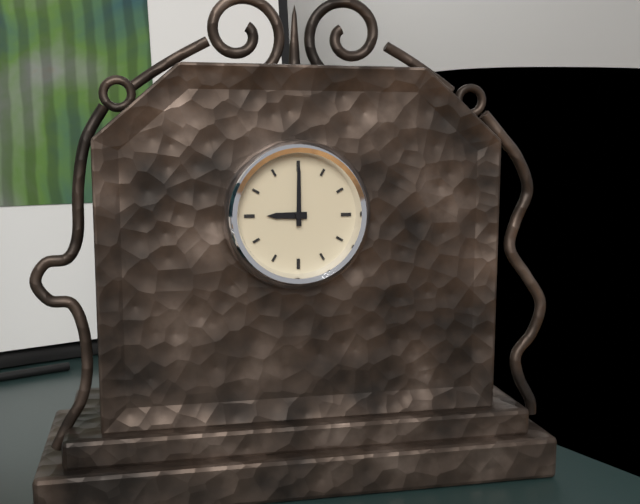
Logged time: {"hour": 9, "minute": 0}
